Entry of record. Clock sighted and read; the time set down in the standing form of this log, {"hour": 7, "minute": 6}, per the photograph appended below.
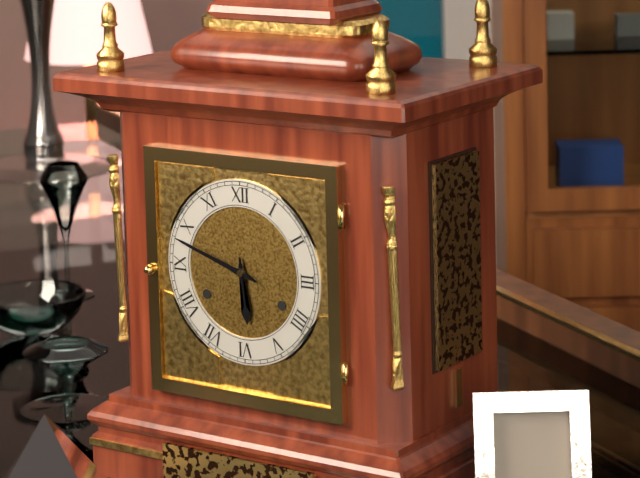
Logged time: {"hour": 5, "minute": 48}
